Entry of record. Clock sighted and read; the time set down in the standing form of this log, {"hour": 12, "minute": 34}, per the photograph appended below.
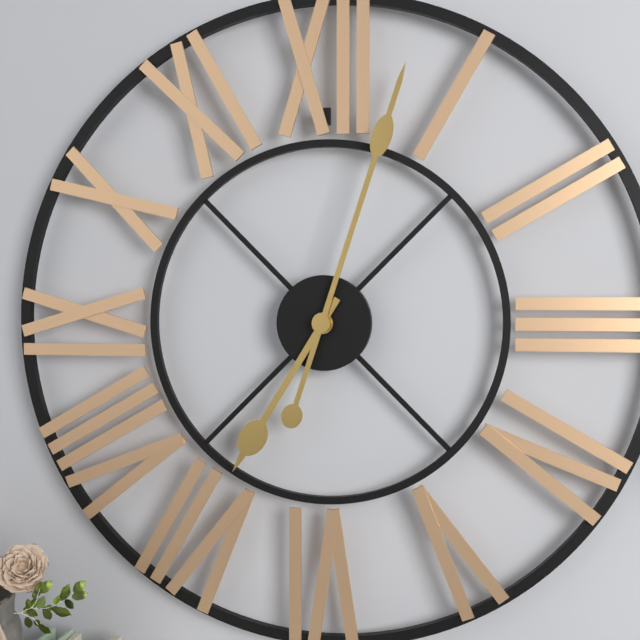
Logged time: {"hour": 7, "minute": 3}
